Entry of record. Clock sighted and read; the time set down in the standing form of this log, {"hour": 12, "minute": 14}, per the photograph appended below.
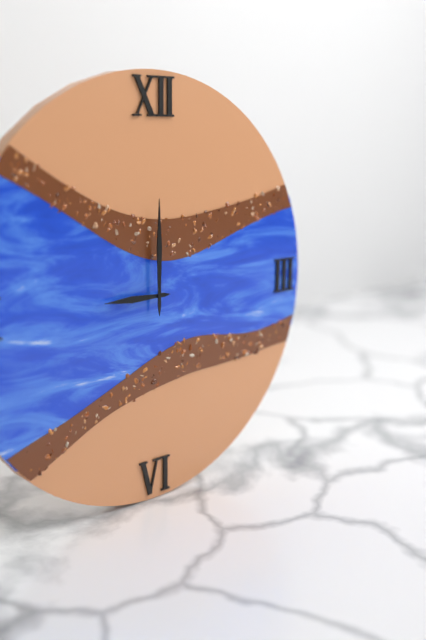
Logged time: {"hour": 9, "minute": 0}
